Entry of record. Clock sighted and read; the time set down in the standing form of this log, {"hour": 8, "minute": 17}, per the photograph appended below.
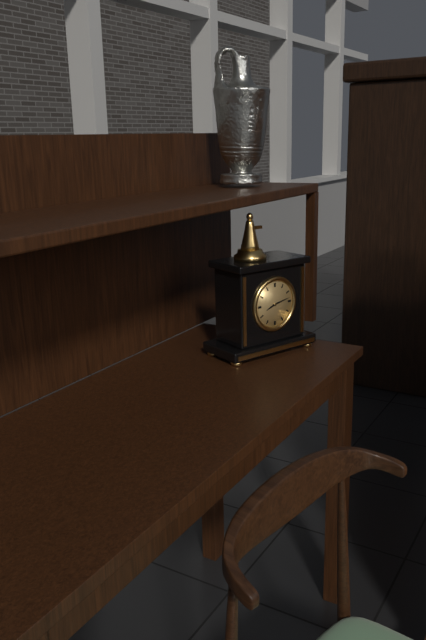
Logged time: {"hour": 8, "minute": 13}
